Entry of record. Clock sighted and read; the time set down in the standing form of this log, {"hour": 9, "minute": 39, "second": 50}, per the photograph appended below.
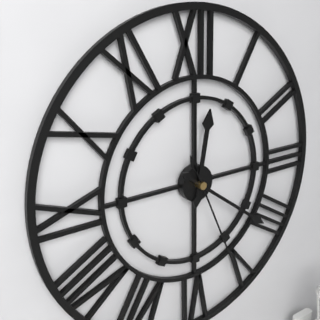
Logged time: {"hour": 12, "minute": 21, "second": 26}
